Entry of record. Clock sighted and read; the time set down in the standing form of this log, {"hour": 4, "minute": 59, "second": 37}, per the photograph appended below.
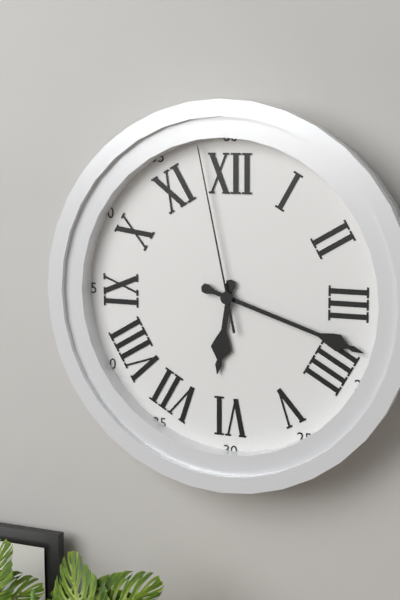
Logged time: {"hour": 6, "minute": 18, "second": 58}
